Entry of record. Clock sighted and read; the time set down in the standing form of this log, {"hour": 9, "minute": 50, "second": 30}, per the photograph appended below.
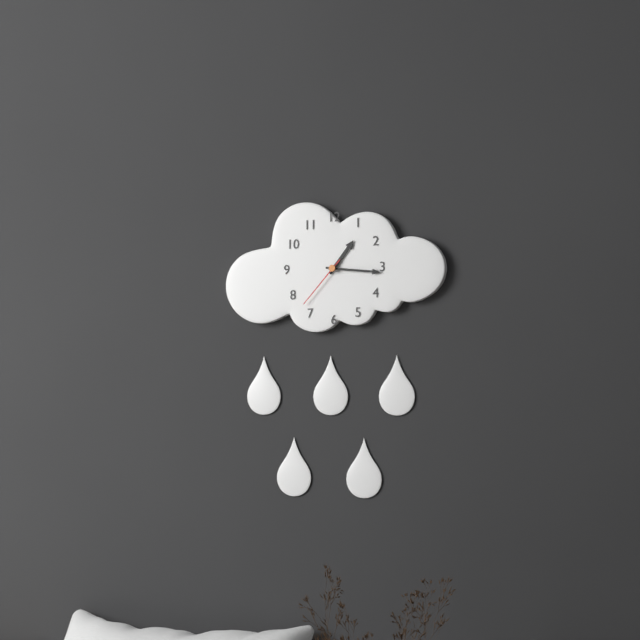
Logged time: {"hour": 1, "minute": 16, "second": 37}
